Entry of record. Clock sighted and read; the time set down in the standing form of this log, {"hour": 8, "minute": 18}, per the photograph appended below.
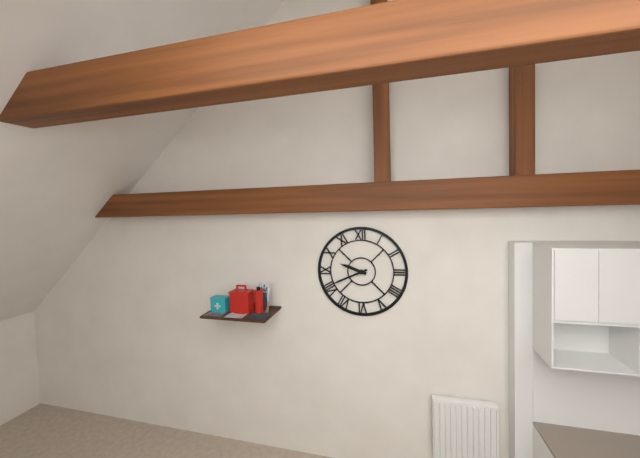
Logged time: {"hour": 9, "minute": 41}
